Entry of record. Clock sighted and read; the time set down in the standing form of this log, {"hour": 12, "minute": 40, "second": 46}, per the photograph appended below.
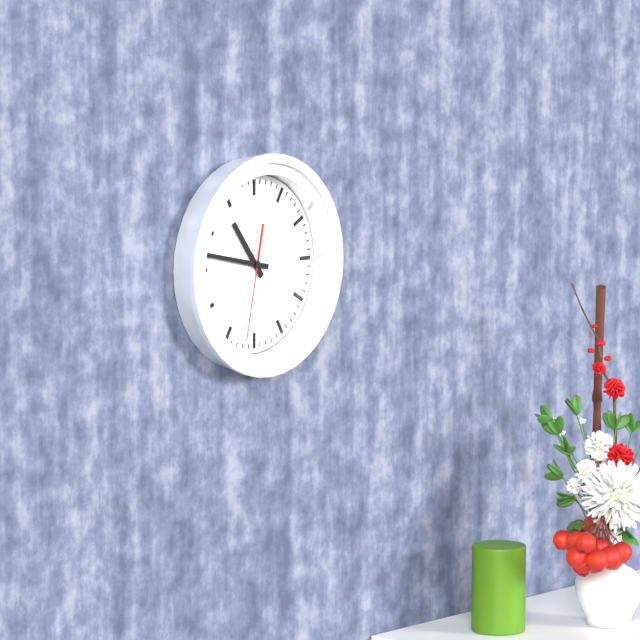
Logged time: {"hour": 10, "minute": 47, "second": 32}
